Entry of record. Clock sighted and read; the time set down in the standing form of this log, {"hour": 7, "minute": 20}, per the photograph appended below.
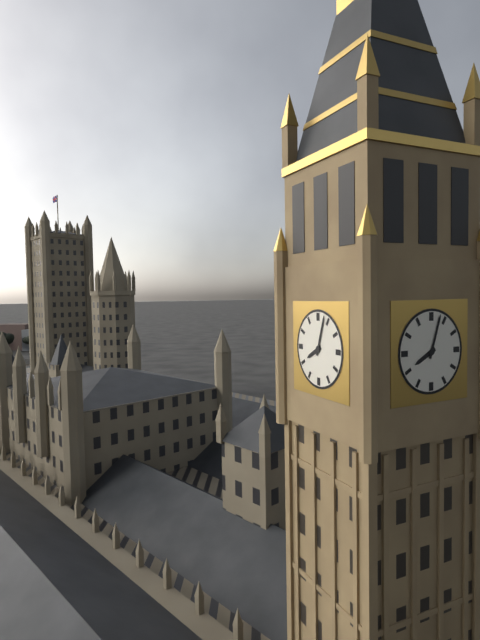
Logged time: {"hour": 8, "minute": 3}
